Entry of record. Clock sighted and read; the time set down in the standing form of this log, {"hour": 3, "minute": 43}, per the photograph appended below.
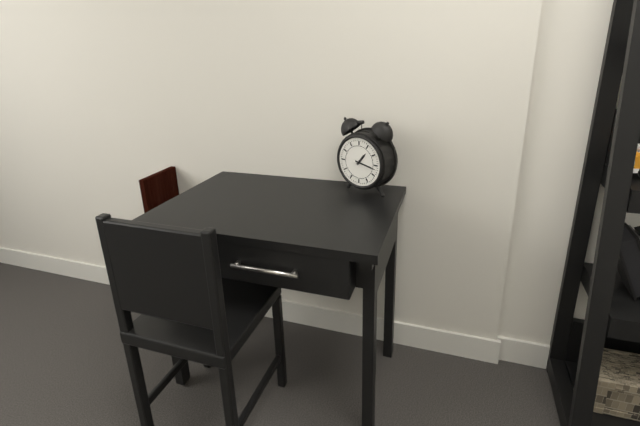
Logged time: {"hour": 1, "minute": 17}
